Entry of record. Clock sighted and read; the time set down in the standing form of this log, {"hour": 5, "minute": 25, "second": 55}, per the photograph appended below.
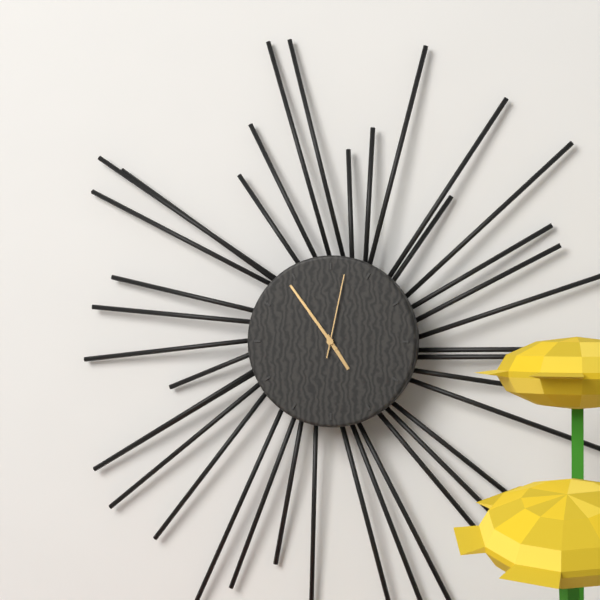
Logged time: {"hour": 4, "minute": 54, "second": 2}
